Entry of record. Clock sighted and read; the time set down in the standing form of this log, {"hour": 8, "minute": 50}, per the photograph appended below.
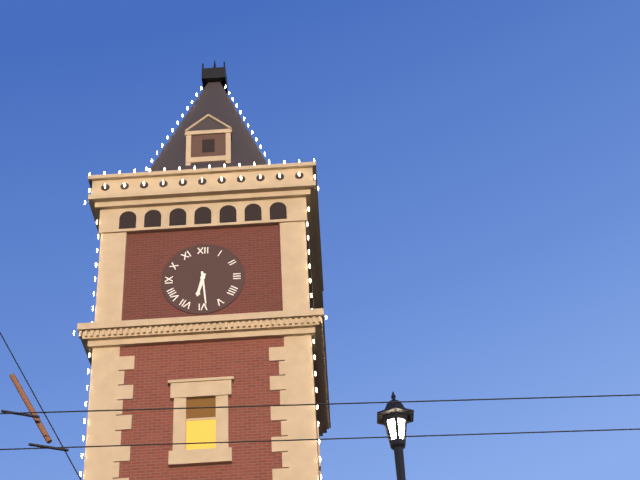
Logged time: {"hour": 6, "minute": 29}
